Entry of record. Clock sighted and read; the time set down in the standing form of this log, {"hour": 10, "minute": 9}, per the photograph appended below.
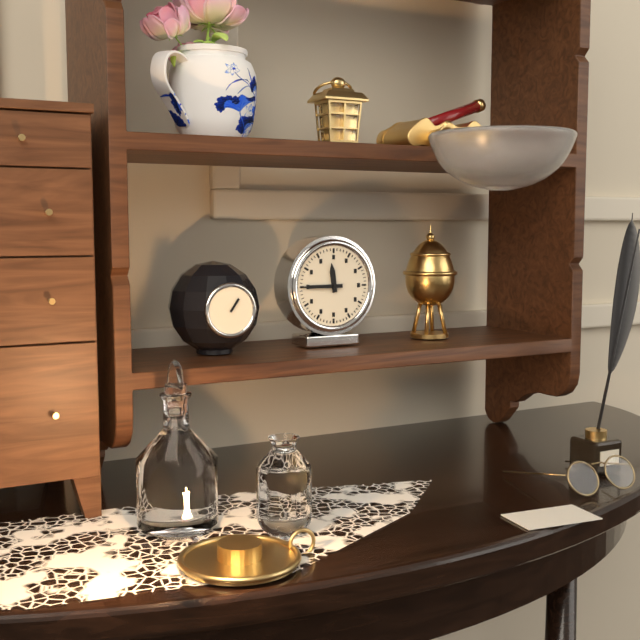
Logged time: {"hour": 11, "minute": 45}
